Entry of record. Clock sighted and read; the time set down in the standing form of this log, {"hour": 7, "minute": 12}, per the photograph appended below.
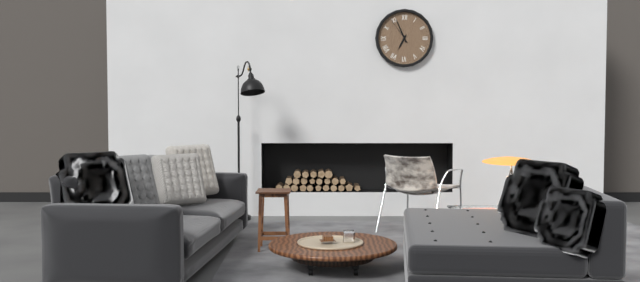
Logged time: {"hour": 6, "minute": 56}
